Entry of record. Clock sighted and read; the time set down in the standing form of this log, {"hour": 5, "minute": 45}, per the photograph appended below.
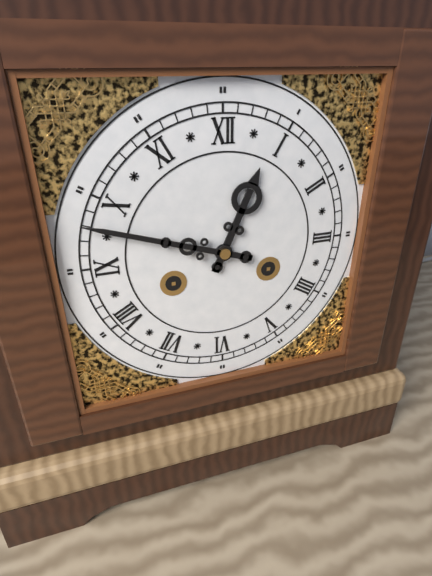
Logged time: {"hour": 12, "minute": 48}
